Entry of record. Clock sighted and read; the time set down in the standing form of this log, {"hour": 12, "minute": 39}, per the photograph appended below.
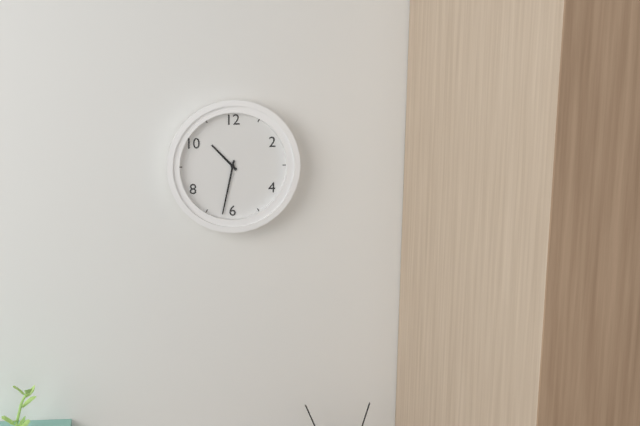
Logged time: {"hour": 10, "minute": 32}
